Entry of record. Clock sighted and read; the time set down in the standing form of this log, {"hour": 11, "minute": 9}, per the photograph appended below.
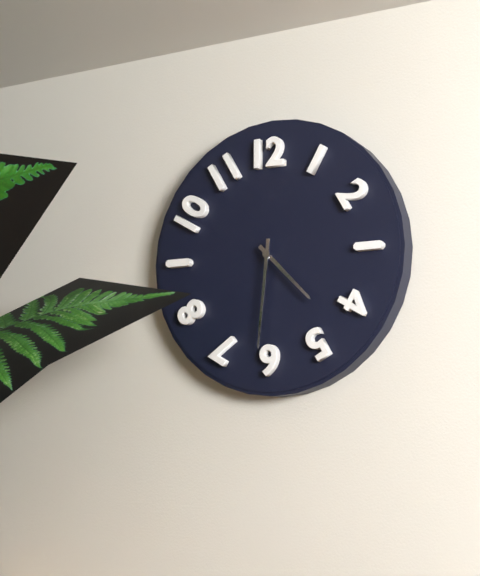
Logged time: {"hour": 4, "minute": 31}
